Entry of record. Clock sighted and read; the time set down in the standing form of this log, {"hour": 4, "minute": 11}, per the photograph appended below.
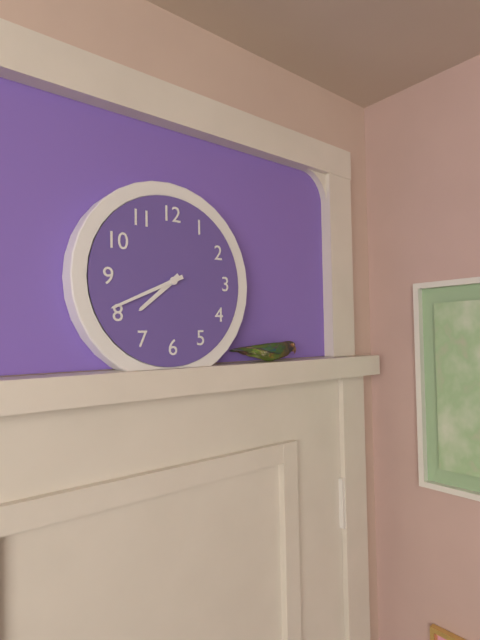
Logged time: {"hour": 7, "minute": 41}
